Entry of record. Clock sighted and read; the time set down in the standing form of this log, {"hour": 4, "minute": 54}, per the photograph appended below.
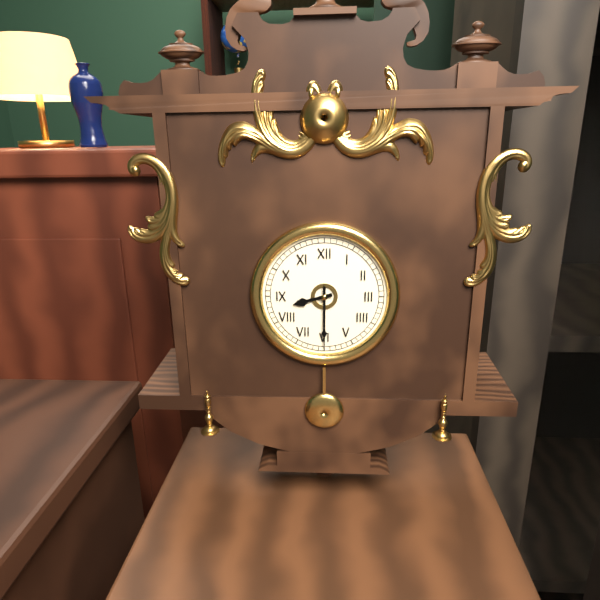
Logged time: {"hour": 8, "minute": 30}
